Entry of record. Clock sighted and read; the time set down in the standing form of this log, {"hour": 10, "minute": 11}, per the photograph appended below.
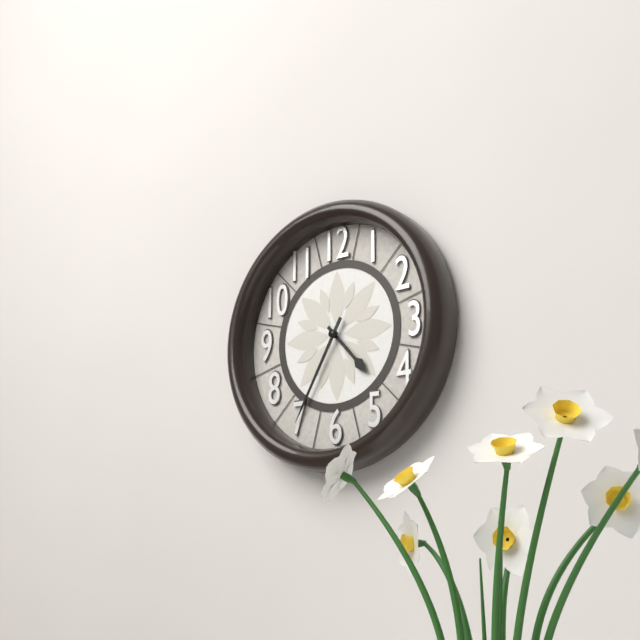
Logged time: {"hour": 4, "minute": 35}
